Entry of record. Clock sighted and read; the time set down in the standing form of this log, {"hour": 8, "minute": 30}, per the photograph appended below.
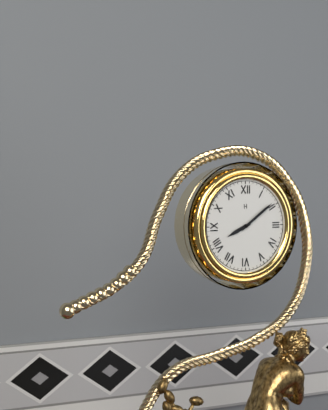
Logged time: {"hour": 8, "minute": 9}
